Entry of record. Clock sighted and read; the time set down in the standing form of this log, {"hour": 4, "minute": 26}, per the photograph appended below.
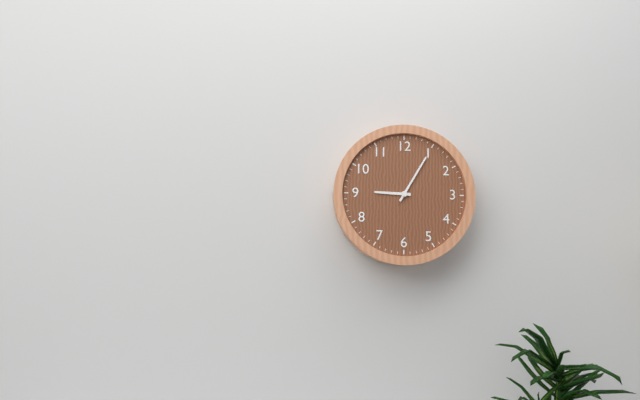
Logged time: {"hour": 9, "minute": 5}
